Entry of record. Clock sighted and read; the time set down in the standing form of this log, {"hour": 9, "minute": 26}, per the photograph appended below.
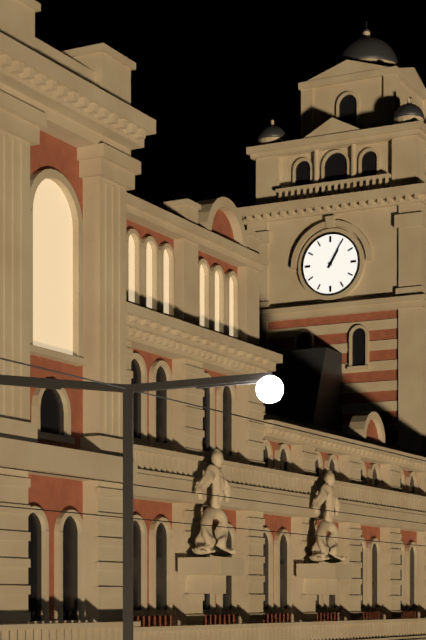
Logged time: {"hour": 1, "minute": 5}
